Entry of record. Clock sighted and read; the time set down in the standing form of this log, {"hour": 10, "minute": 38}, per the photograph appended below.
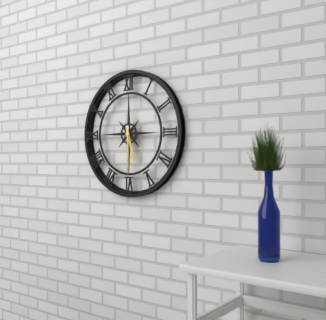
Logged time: {"hour": 5, "minute": 30}
